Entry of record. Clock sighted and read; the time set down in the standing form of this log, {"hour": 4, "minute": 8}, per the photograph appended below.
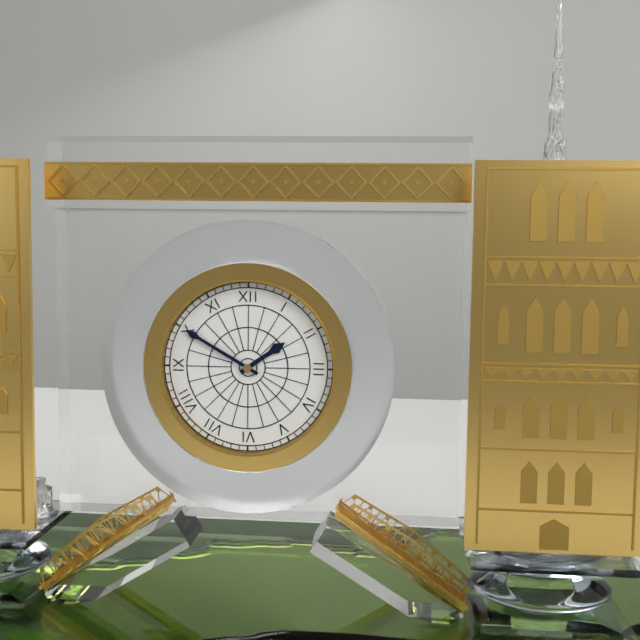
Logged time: {"hour": 1, "minute": 50}
